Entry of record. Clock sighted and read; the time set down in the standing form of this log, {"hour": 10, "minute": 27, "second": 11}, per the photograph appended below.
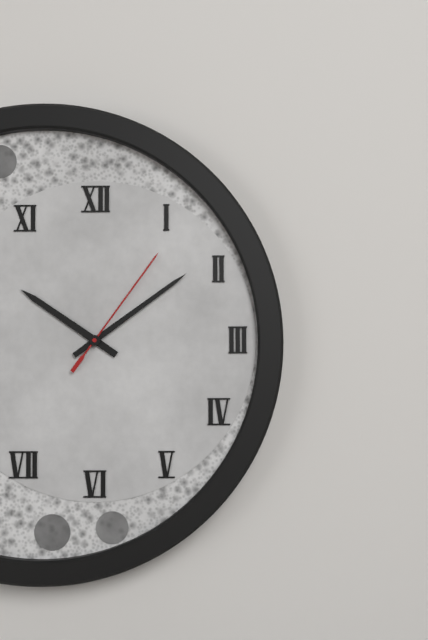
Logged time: {"hour": 10, "minute": 9, "second": 6}
